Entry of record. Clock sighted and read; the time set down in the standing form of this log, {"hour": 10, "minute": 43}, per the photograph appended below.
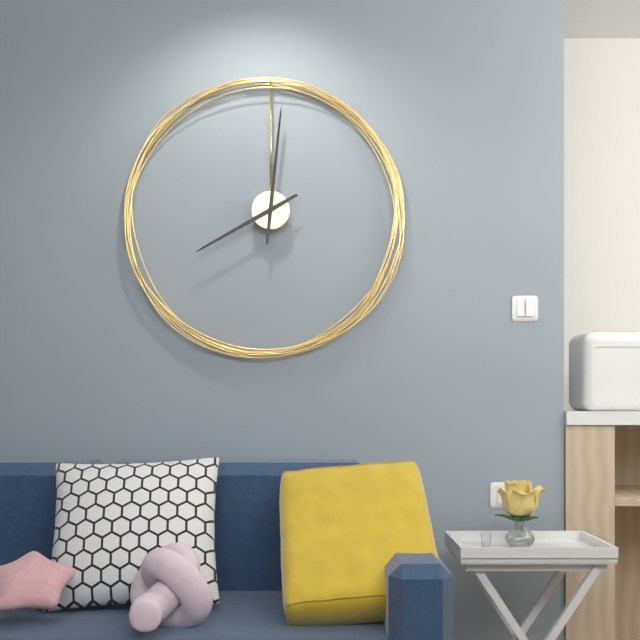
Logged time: {"hour": 8, "minute": 1}
